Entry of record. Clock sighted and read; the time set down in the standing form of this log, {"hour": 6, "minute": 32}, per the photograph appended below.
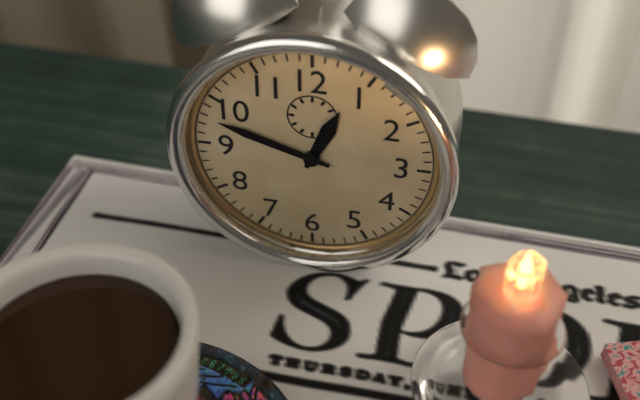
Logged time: {"hour": 12, "minute": 48}
